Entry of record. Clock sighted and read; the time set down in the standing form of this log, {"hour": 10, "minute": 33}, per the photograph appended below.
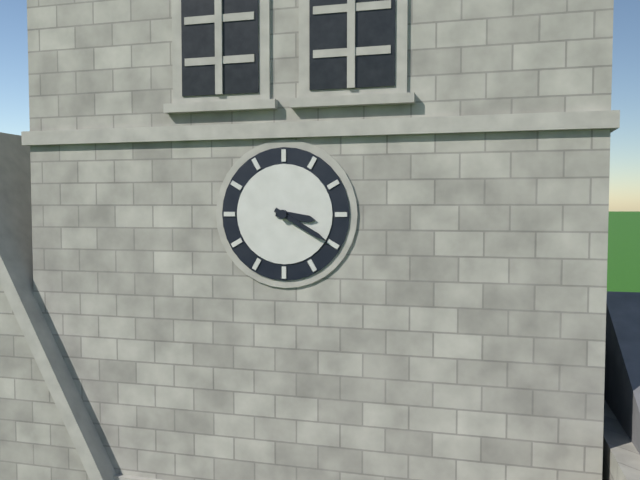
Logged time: {"hour": 3, "minute": 20}
